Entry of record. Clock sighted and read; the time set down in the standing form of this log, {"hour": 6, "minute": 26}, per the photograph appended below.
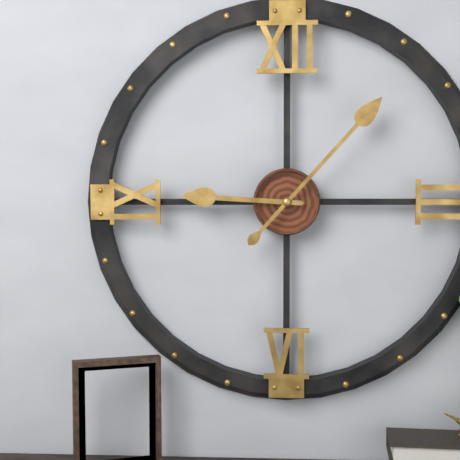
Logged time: {"hour": 9, "minute": 7}
